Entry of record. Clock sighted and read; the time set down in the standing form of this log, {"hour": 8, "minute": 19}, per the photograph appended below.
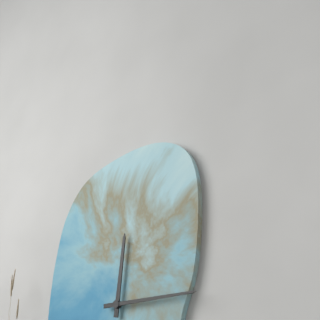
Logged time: {"hour": 12, "minute": 15}
